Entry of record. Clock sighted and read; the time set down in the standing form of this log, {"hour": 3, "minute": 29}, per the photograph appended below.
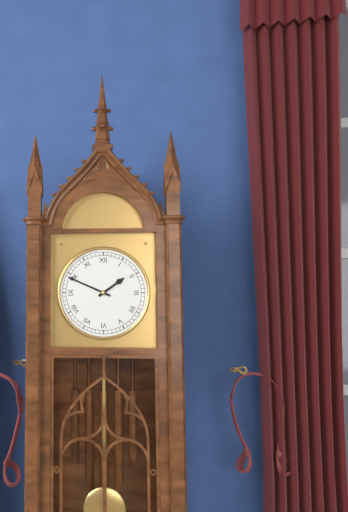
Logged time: {"hour": 1, "minute": 49}
